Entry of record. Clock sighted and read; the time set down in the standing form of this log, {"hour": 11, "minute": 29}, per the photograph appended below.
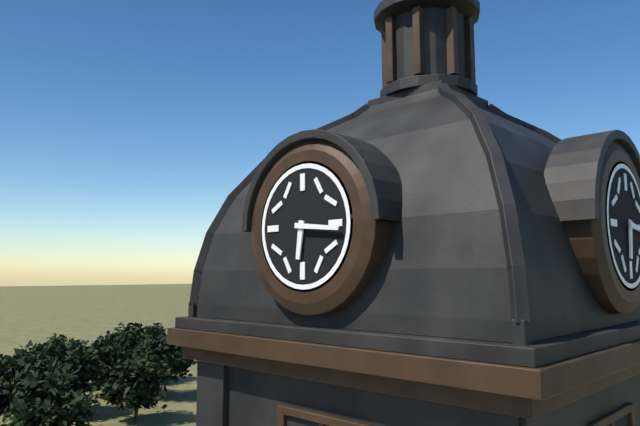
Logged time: {"hour": 6, "minute": 16}
